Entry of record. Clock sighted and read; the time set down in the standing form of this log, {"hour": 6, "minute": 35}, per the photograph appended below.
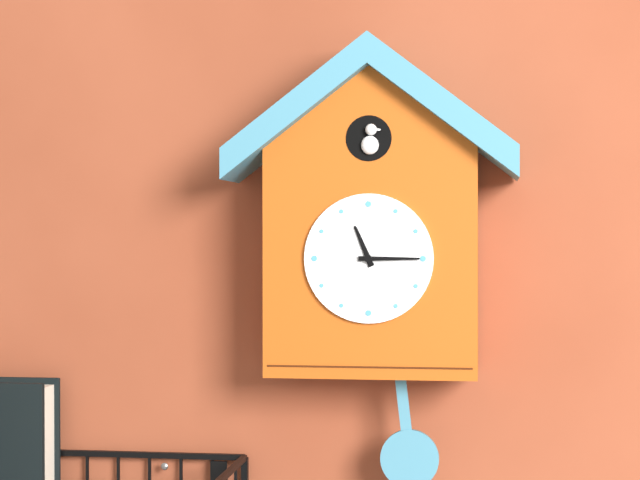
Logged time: {"hour": 11, "minute": 15}
